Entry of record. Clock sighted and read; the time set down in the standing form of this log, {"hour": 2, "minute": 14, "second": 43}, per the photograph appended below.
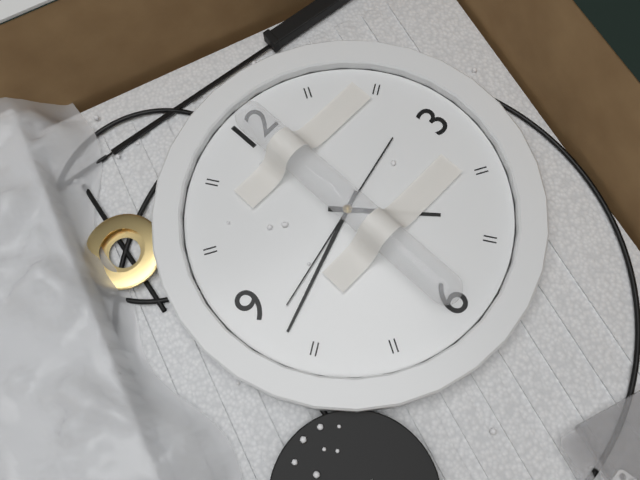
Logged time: {"hour": 4, "minute": 42, "second": 43}
